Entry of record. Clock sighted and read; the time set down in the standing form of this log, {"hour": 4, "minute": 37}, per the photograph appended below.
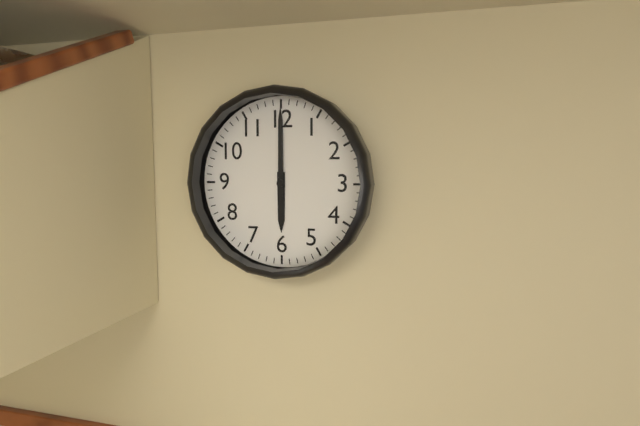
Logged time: {"hour": 6, "minute": 0}
